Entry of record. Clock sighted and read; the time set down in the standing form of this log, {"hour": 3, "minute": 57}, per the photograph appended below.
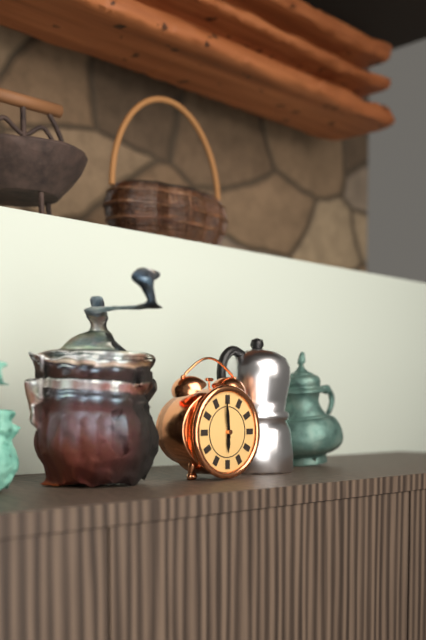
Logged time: {"hour": 5, "minute": 59}
